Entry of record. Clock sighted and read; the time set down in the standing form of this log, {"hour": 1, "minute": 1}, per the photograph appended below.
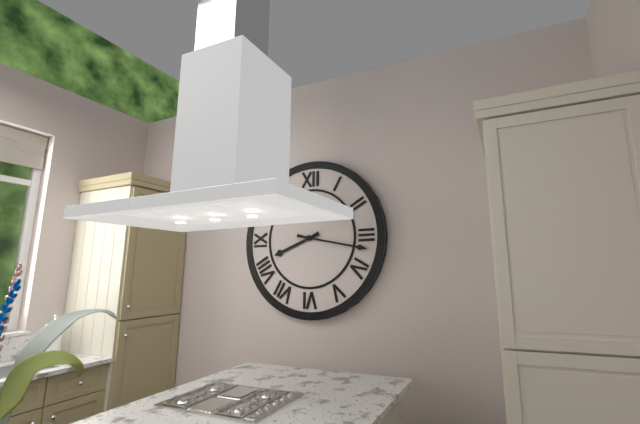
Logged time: {"hour": 8, "minute": 17}
